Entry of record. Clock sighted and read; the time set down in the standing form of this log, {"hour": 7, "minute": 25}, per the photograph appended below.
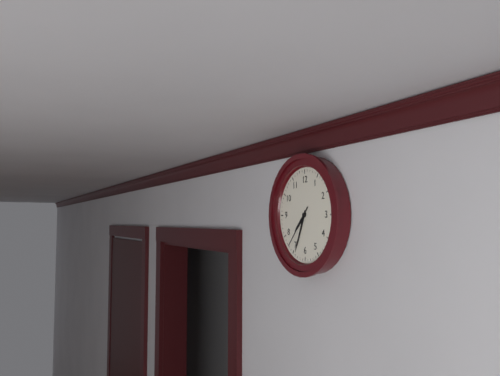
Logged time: {"hour": 7, "minute": 34}
